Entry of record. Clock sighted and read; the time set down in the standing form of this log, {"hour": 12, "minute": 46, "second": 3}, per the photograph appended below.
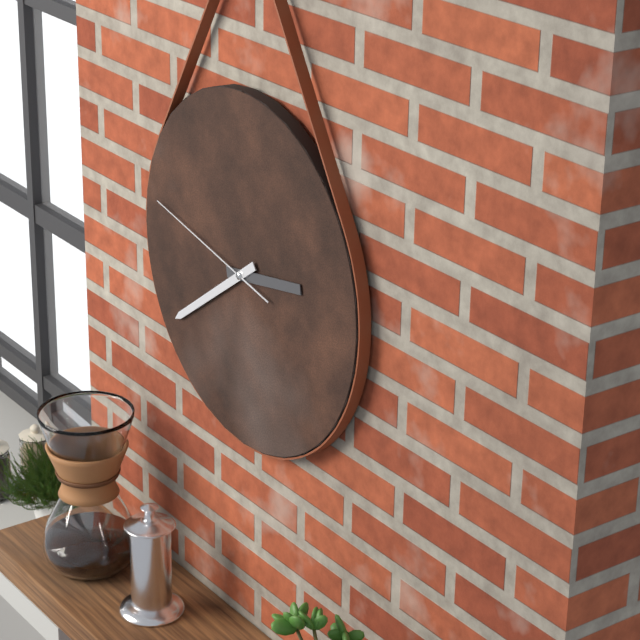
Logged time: {"hour": 2, "minute": 39, "second": 47}
